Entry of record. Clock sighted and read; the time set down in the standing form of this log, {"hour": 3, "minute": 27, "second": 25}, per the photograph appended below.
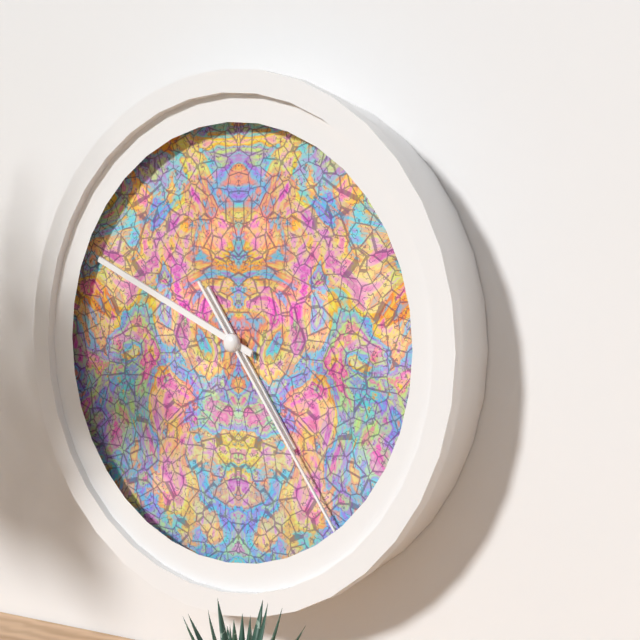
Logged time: {"hour": 4, "minute": 49, "second": 24}
